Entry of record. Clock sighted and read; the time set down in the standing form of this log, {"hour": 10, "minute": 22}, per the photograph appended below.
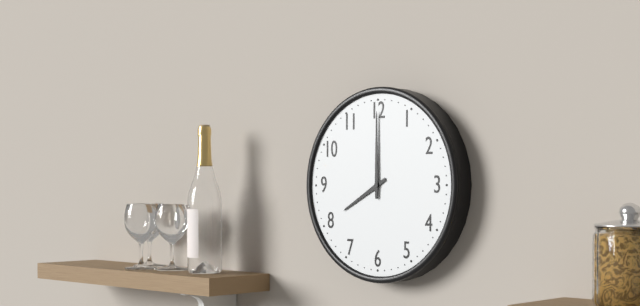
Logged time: {"hour": 8, "minute": 0}
